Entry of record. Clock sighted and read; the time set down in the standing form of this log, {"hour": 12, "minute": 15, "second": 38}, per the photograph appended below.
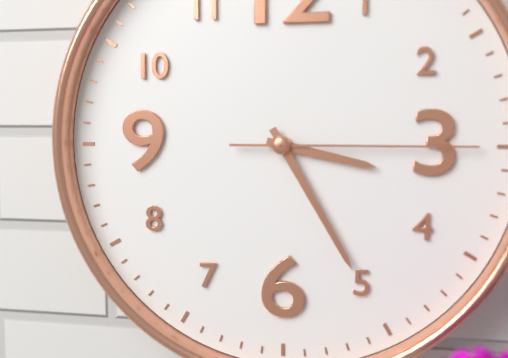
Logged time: {"hour": 3, "minute": 25, "second": 15}
